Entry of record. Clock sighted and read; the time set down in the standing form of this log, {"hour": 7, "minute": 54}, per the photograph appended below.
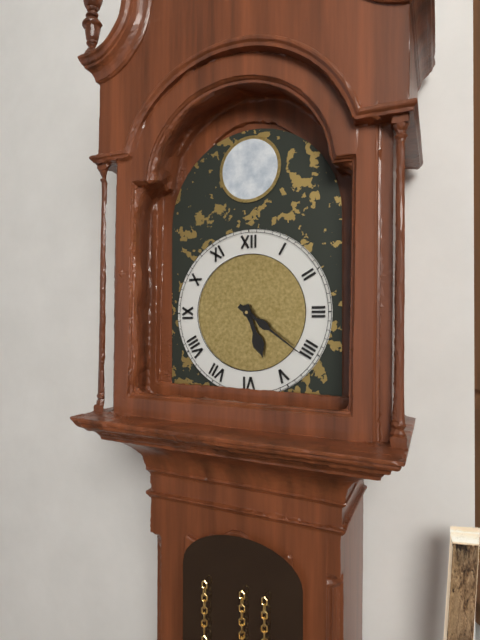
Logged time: {"hour": 5, "minute": 21}
